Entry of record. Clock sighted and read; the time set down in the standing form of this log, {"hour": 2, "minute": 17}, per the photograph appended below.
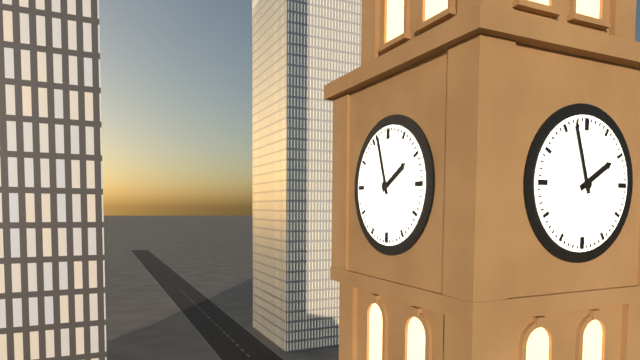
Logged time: {"hour": 1, "minute": 57}
